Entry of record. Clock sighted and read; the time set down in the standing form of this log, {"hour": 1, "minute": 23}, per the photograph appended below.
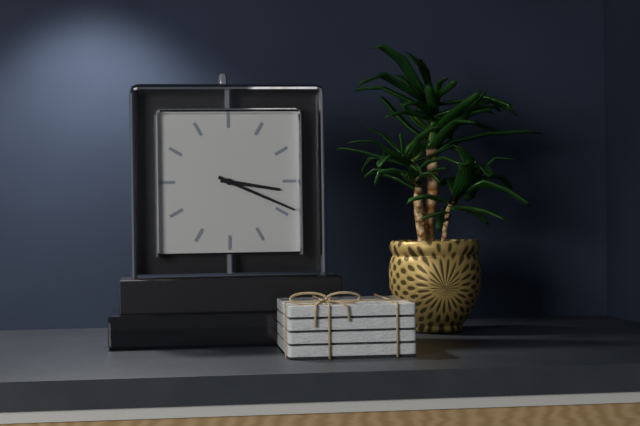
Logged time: {"hour": 3, "minute": 19}
